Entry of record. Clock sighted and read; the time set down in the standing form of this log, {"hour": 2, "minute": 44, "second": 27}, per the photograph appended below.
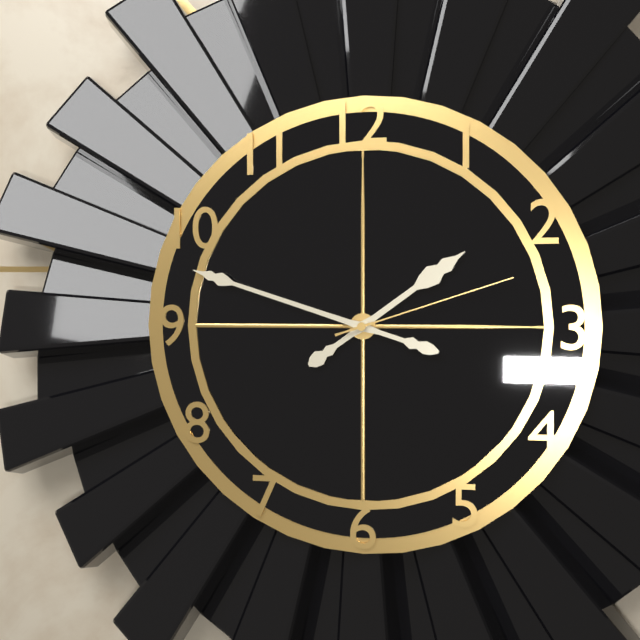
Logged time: {"hour": 1, "minute": 48, "second": 12}
